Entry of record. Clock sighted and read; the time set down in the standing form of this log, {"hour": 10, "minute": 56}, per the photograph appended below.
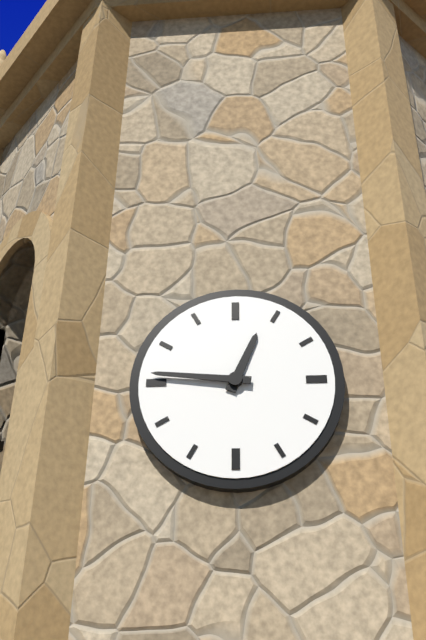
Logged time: {"hour": 12, "minute": 46}
